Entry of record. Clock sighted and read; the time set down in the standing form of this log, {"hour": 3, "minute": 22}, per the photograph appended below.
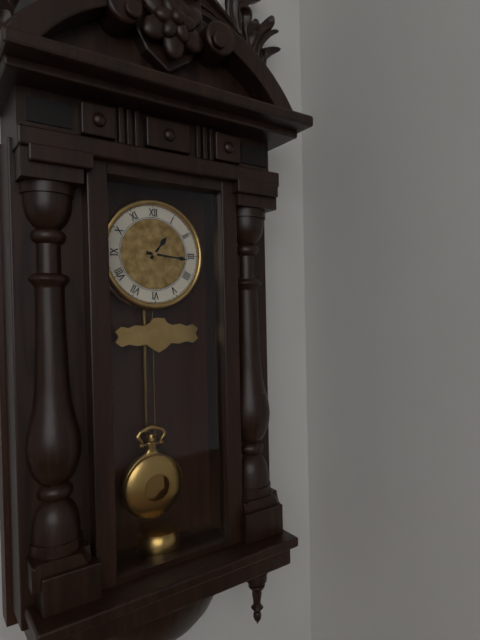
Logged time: {"hour": 1, "minute": 16}
